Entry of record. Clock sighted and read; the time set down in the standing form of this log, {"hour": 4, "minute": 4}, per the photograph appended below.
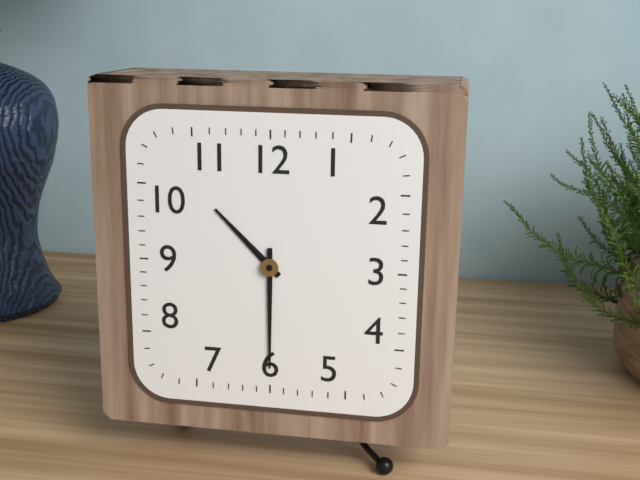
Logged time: {"hour": 10, "minute": 30}
